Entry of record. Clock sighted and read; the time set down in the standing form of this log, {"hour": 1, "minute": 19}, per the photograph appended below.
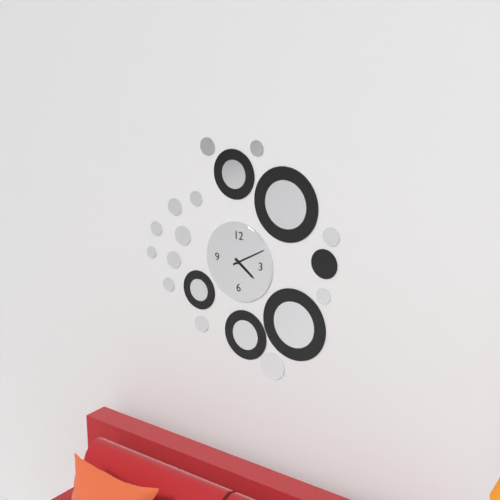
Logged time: {"hour": 4, "minute": 10}
